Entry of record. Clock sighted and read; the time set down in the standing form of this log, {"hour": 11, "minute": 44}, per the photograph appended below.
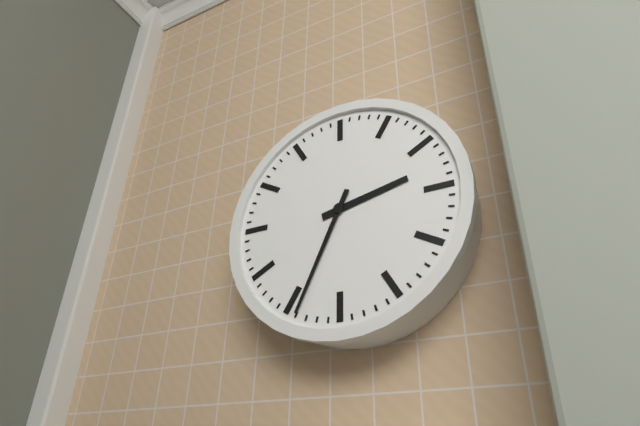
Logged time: {"hour": 2, "minute": 34}
